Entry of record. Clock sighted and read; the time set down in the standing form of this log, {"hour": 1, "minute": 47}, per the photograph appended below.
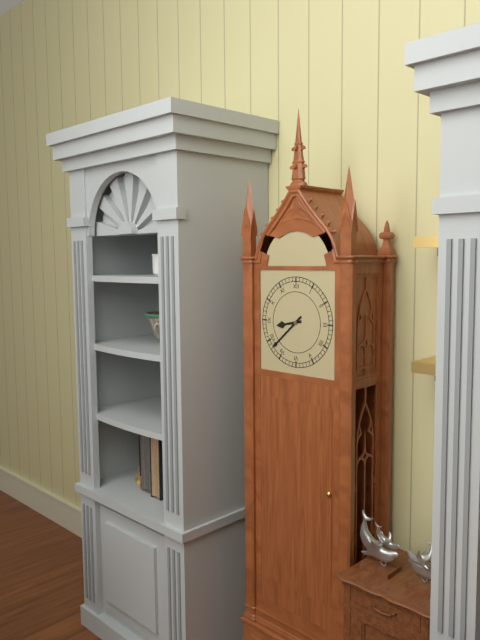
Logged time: {"hour": 8, "minute": 38}
